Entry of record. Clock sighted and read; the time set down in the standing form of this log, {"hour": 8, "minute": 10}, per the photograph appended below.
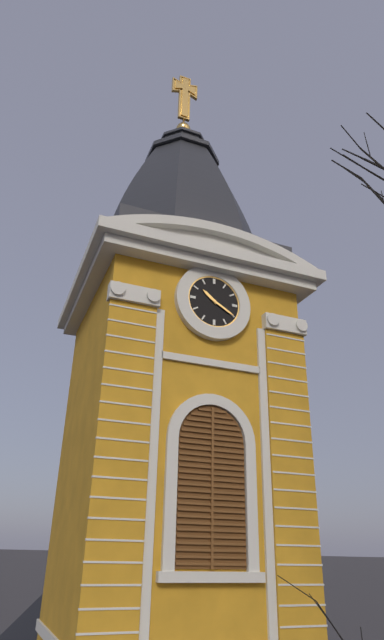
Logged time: {"hour": 10, "minute": 20}
